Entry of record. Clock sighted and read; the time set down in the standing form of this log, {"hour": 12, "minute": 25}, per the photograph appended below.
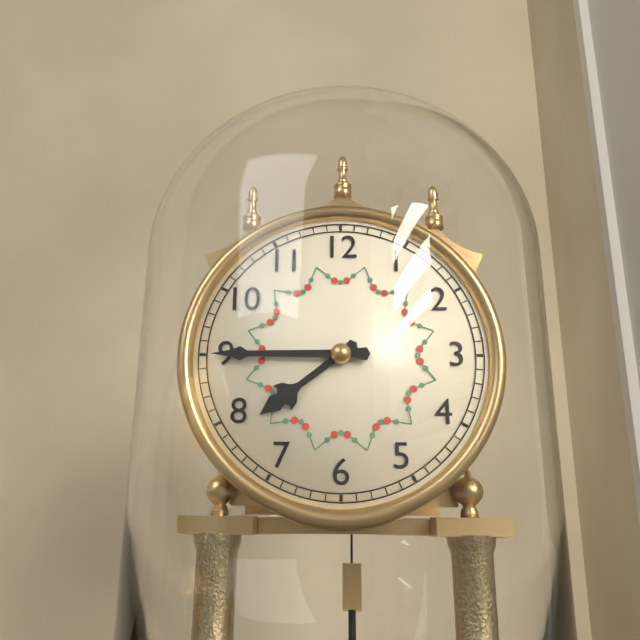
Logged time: {"hour": 7, "minute": 45}
